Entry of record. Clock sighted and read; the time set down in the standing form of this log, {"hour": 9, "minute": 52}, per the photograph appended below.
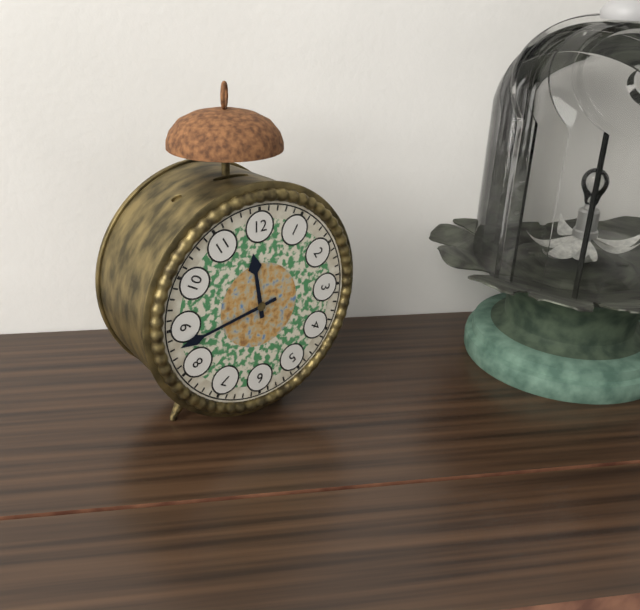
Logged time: {"hour": 11, "minute": 43}
